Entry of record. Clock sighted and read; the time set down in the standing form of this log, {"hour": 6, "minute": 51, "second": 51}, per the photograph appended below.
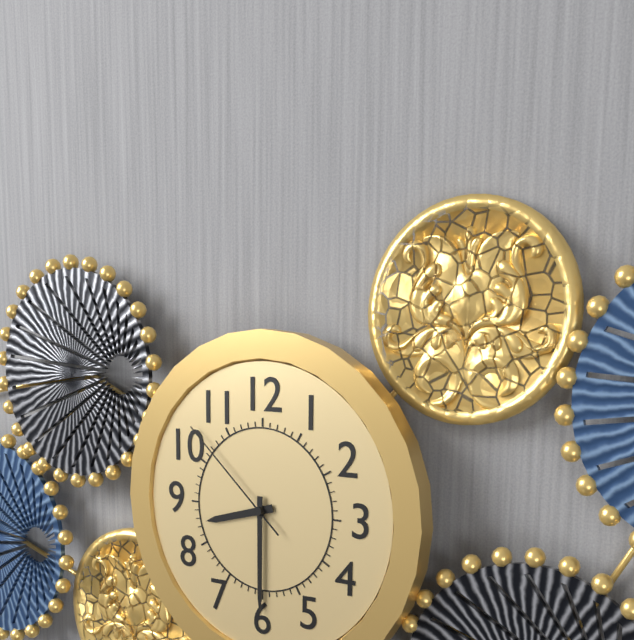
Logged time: {"hour": 8, "minute": 30, "second": 52}
